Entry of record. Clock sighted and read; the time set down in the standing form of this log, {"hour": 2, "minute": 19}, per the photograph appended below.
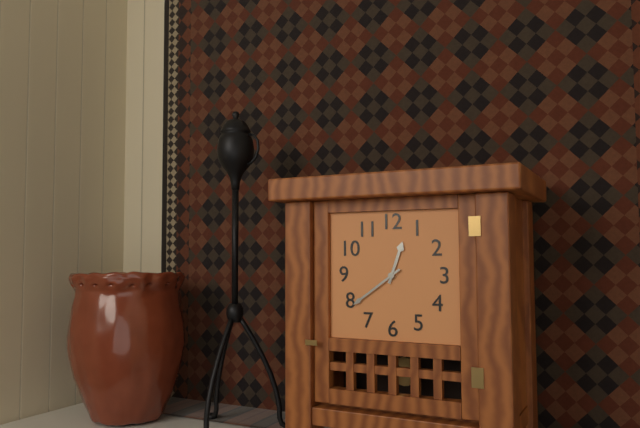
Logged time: {"hour": 12, "minute": 39}
